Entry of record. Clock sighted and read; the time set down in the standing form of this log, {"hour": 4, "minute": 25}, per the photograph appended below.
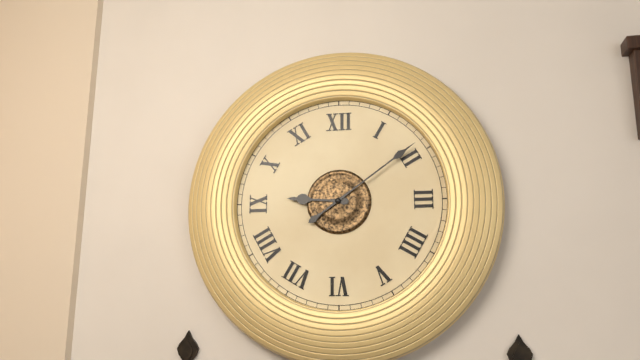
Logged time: {"hour": 9, "minute": 9}
